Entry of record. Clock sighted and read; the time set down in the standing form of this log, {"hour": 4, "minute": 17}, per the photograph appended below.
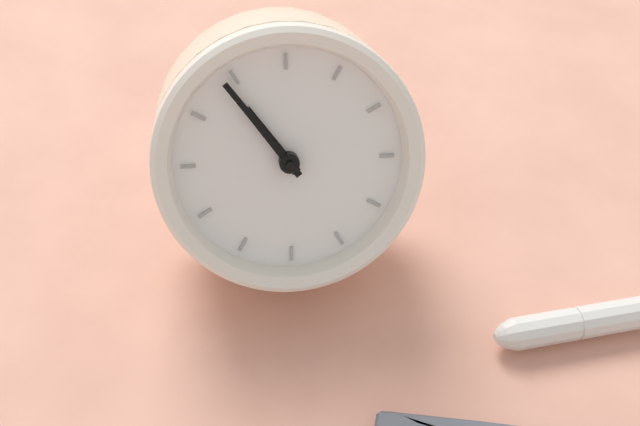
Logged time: {"hour": 9, "minute": 49}
